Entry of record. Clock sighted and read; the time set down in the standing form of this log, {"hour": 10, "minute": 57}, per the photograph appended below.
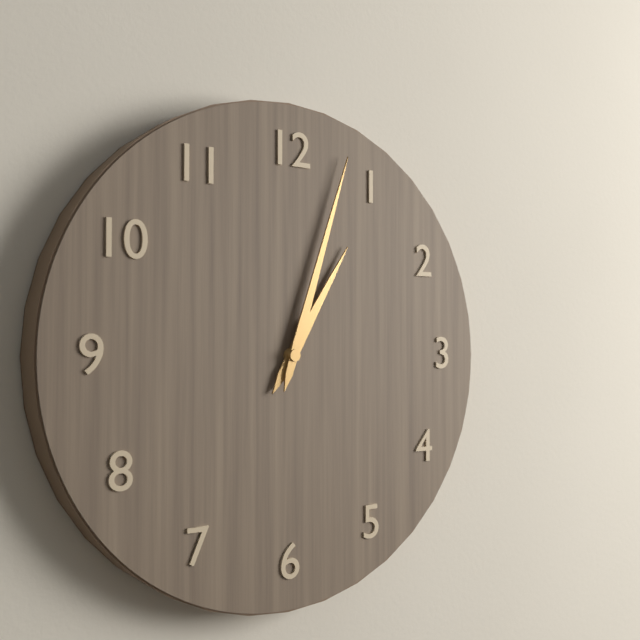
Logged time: {"hour": 1, "minute": 3}
